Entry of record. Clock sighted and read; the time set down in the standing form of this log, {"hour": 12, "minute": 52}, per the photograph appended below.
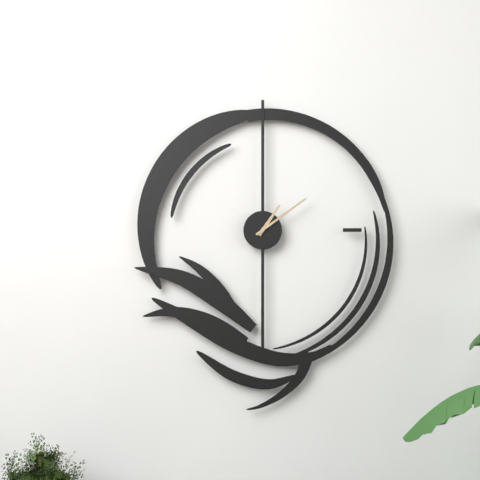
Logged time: {"hour": 1, "minute": 9}
